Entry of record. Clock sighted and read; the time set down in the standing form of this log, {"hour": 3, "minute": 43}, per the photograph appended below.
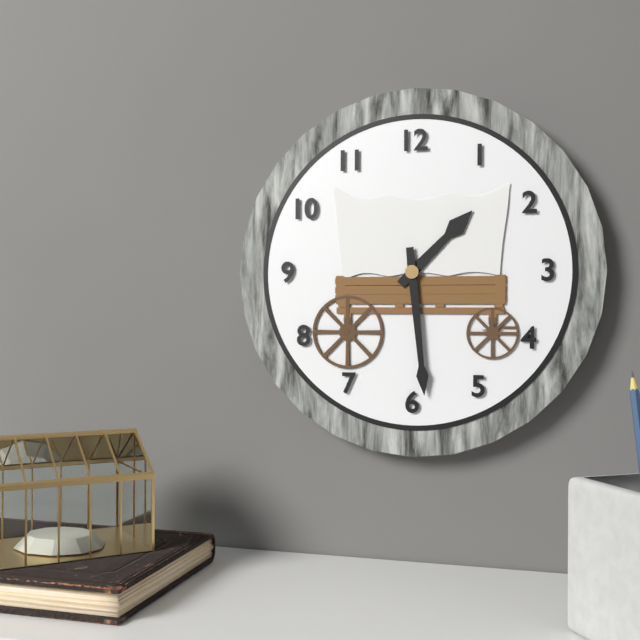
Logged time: {"hour": 1, "minute": 29}
